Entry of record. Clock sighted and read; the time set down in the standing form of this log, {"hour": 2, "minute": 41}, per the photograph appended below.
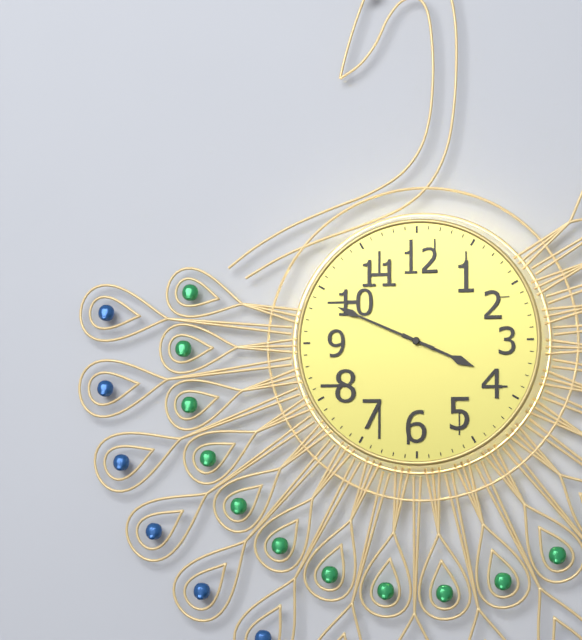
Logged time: {"hour": 3, "minute": 49}
